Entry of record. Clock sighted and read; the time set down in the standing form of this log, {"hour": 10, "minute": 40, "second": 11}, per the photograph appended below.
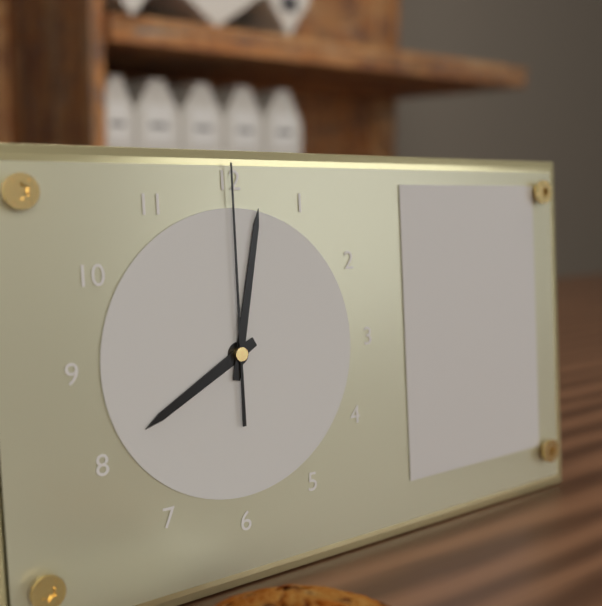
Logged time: {"hour": 8, "minute": 2, "second": 0}
